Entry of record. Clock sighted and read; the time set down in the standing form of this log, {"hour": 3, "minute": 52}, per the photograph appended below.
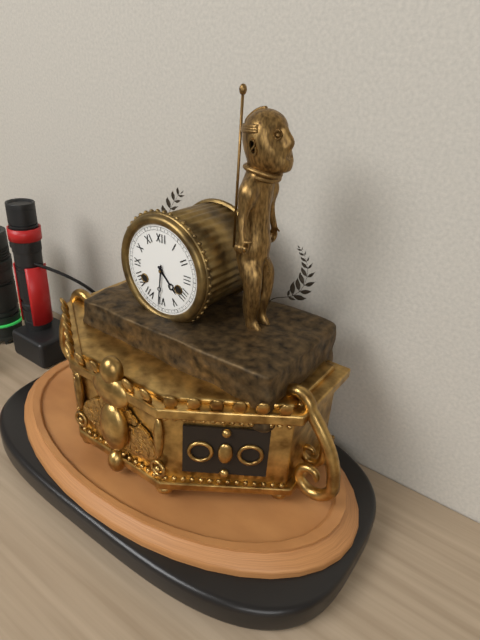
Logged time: {"hour": 4, "minute": 31}
